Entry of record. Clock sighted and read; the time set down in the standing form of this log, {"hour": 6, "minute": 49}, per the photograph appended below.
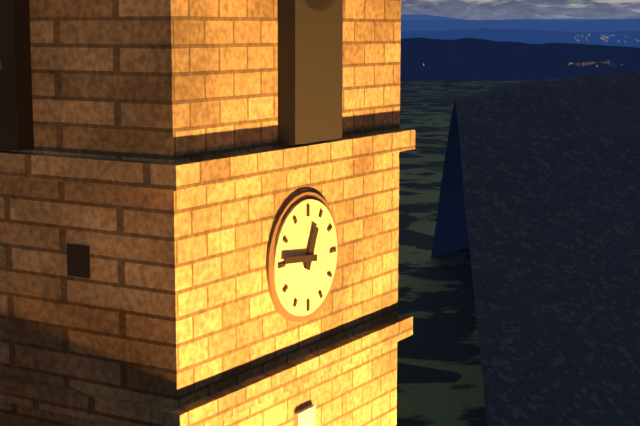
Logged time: {"hour": 12, "minute": 46}
